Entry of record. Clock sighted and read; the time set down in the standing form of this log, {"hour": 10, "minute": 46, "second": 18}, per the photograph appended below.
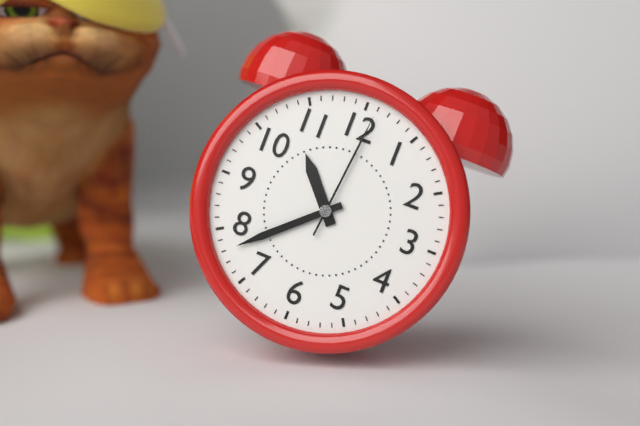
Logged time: {"hour": 10, "minute": 38, "second": 1}
